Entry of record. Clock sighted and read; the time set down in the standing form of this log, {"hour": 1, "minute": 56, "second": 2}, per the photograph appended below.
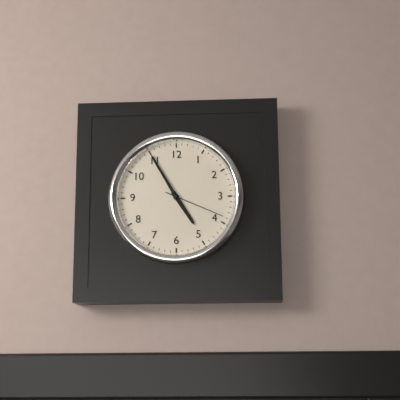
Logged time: {"hour": 4, "minute": 55, "second": 19}
